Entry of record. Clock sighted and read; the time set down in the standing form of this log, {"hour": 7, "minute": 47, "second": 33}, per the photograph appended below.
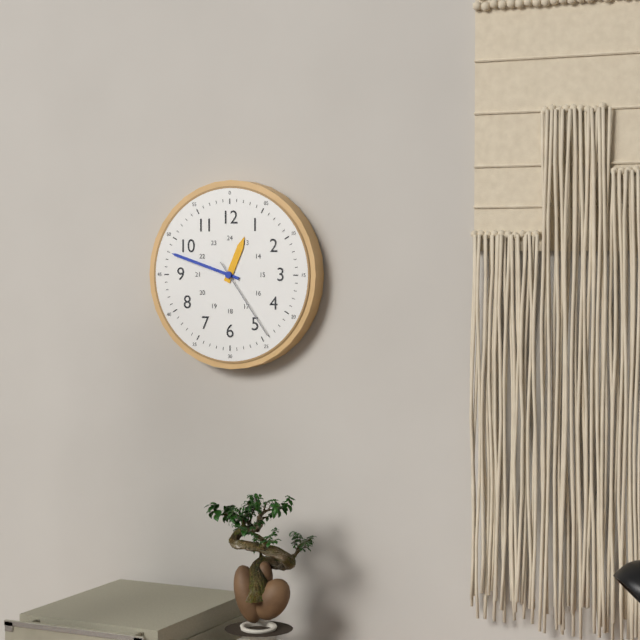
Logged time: {"hour": 12, "minute": 48, "second": 24}
